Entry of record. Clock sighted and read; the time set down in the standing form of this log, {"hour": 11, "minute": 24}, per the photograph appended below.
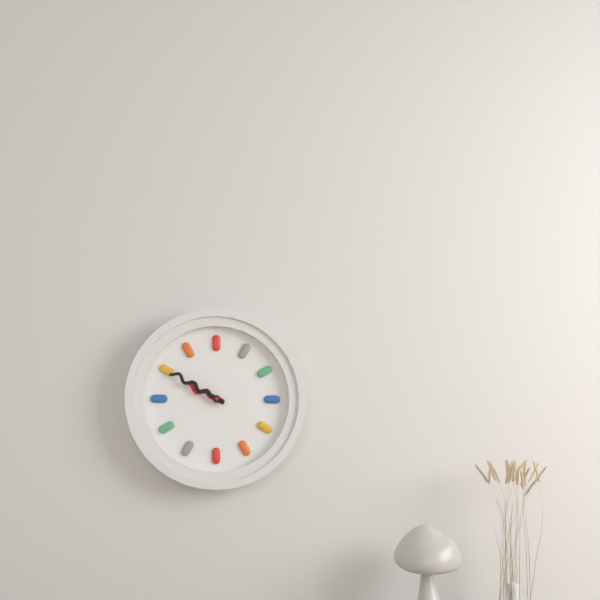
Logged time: {"hour": 9, "minute": 50}
